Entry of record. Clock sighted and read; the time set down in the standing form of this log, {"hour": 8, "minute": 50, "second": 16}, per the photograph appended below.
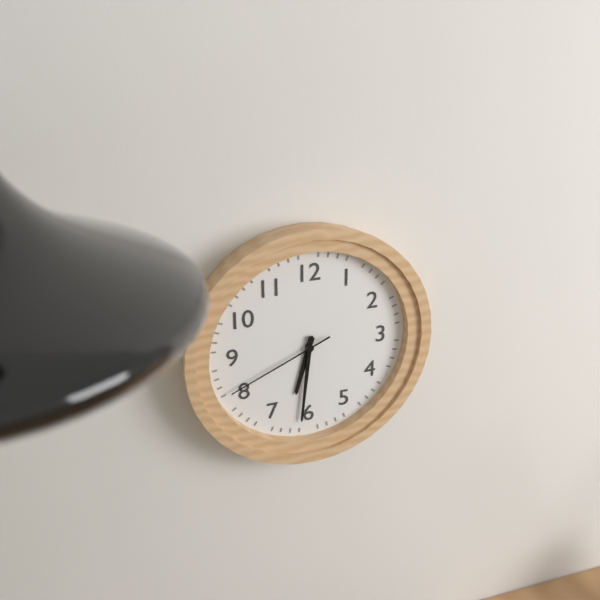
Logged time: {"hour": 6, "minute": 31, "second": 41}
